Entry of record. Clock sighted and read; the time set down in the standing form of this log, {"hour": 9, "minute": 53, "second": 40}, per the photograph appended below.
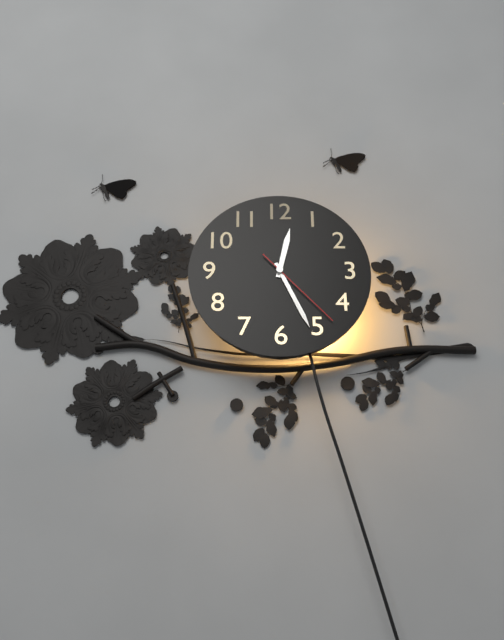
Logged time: {"hour": 12, "minute": 26, "second": 23}
